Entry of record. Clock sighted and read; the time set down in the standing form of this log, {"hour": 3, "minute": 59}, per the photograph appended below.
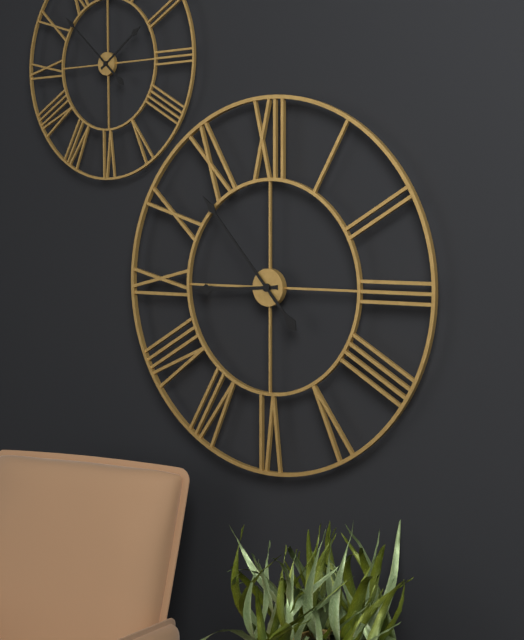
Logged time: {"hour": 8, "minute": 53}
